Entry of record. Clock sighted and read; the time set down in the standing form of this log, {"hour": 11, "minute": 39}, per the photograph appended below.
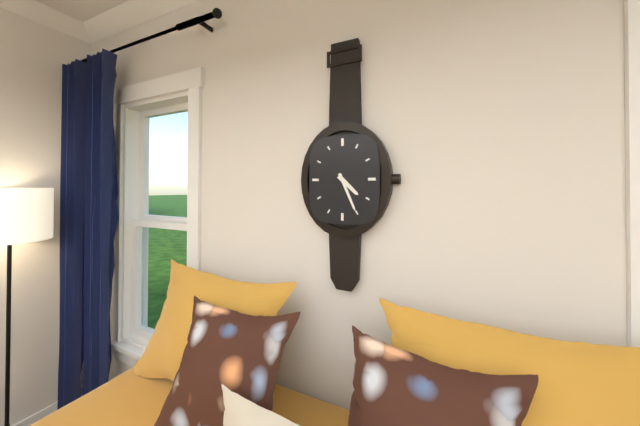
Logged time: {"hour": 4, "minute": 26}
